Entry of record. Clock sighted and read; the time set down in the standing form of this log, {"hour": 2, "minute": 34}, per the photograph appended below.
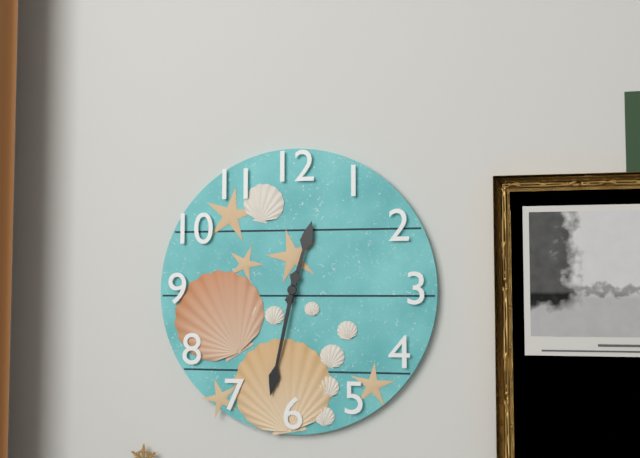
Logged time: {"hour": 12, "minute": 32}
